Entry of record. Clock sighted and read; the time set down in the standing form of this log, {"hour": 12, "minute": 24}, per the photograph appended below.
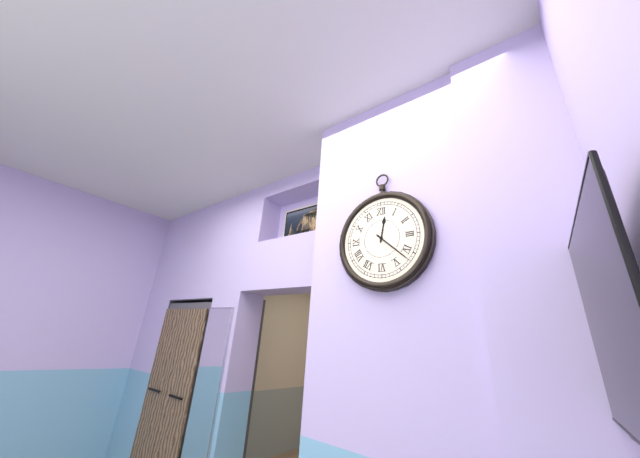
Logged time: {"hour": 12, "minute": 22}
